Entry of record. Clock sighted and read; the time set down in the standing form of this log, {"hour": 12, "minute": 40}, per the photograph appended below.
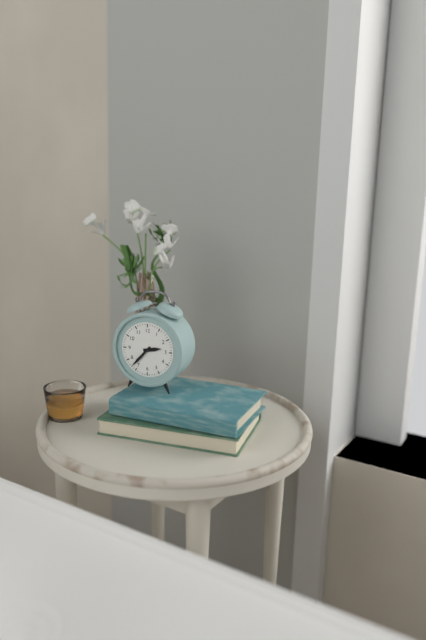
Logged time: {"hour": 2, "minute": 37}
